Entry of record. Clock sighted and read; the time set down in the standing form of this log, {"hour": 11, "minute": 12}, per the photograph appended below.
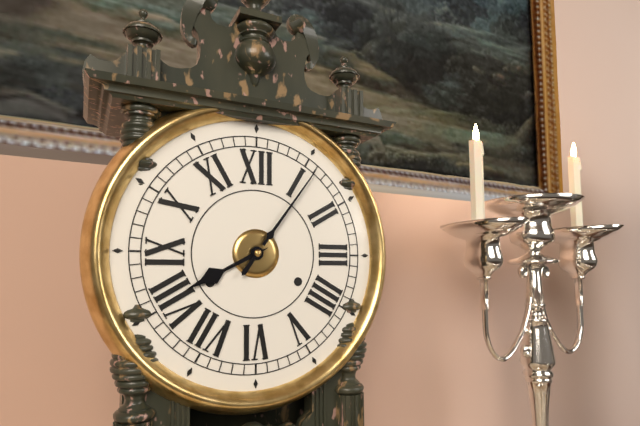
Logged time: {"hour": 8, "minute": 6}
